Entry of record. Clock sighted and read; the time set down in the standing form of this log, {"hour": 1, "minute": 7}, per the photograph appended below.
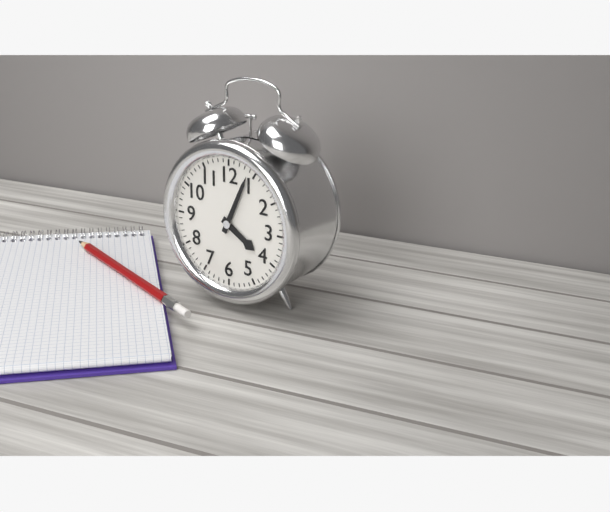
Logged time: {"hour": 4, "minute": 4}
